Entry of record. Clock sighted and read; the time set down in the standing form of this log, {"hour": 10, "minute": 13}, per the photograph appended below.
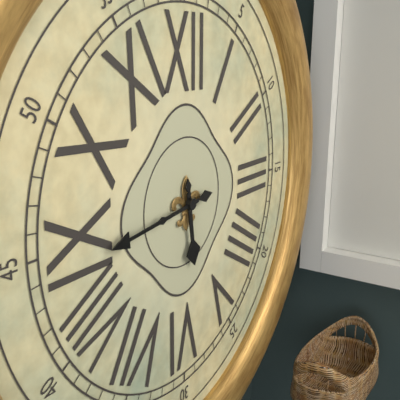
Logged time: {"hour": 5, "minute": 44}
